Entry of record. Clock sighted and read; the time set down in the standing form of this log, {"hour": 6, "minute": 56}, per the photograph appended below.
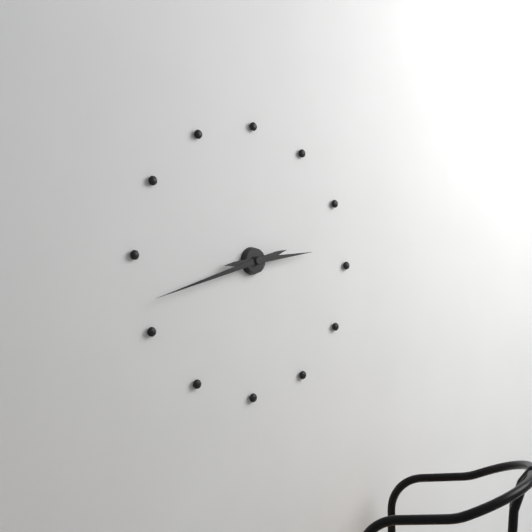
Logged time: {"hour": 2, "minute": 42}
